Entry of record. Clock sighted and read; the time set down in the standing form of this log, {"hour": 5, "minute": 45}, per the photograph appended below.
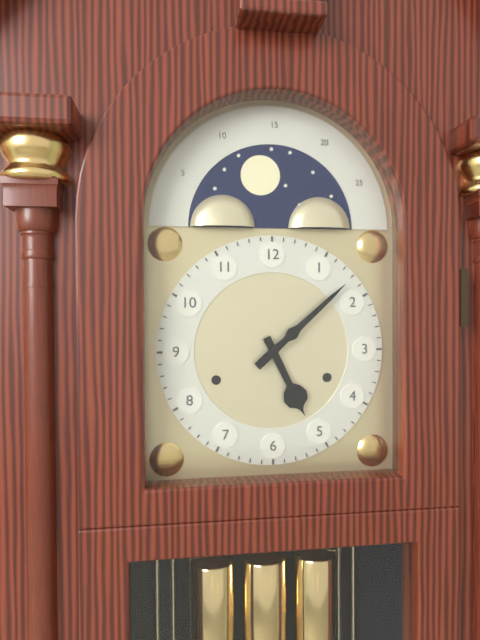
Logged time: {"hour": 5, "minute": 8}
